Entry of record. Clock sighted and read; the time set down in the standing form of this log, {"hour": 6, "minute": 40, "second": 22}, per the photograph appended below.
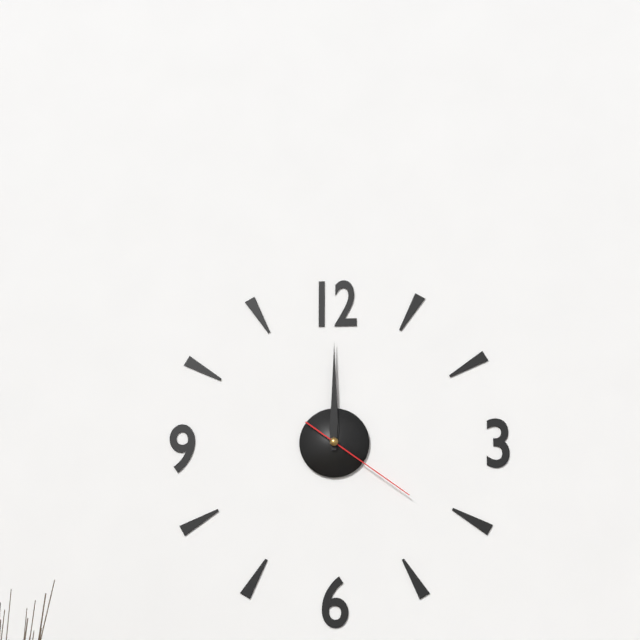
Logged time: {"hour": 12, "minute": 0, "second": 21}
